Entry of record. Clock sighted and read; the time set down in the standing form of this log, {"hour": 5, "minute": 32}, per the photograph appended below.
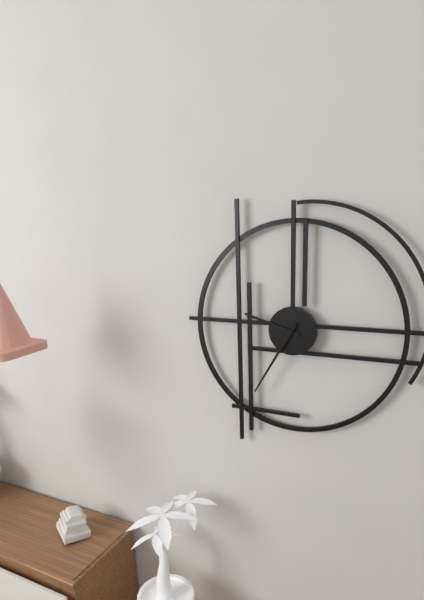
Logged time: {"hour": 9, "minute": 35}
